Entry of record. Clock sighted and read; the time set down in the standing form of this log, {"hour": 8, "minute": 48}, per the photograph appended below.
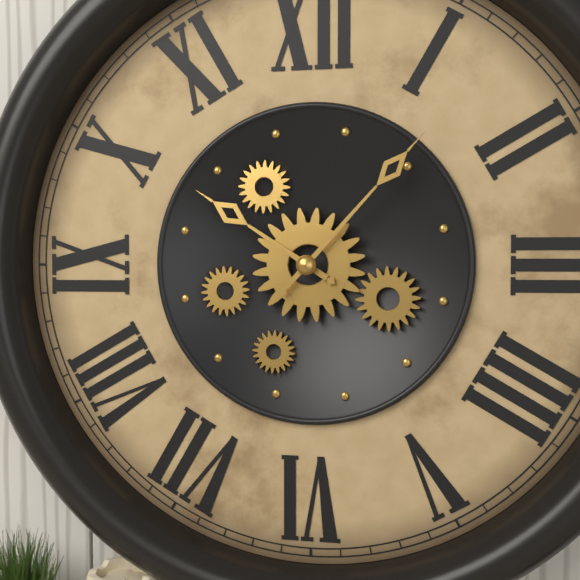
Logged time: {"hour": 10, "minute": 7}
